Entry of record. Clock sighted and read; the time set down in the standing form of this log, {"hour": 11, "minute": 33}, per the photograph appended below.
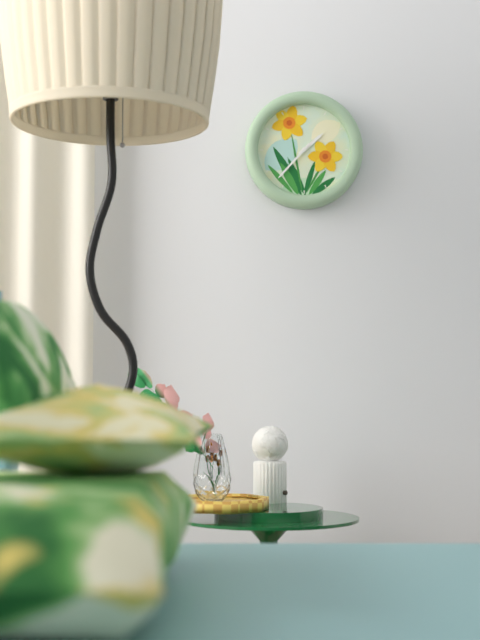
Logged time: {"hour": 1, "minute": 37}
